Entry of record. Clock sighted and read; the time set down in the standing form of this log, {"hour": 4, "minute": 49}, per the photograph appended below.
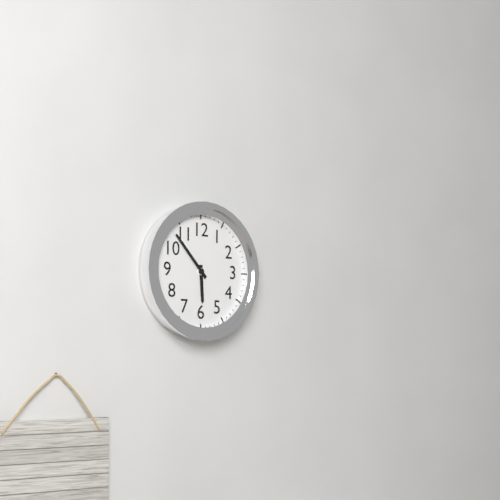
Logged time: {"hour": 5, "minute": 53}
